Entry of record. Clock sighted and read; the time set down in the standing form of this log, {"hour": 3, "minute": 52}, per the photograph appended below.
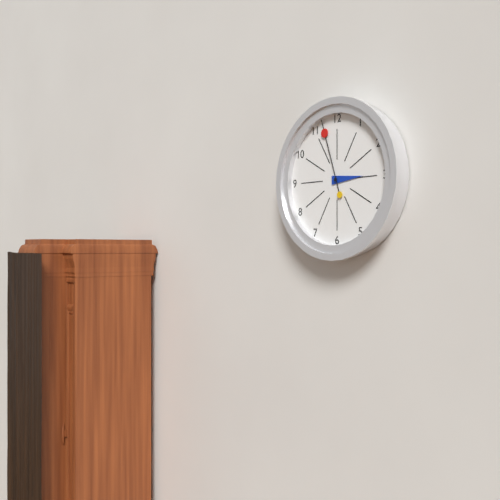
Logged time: {"hour": 2, "minute": 57}
